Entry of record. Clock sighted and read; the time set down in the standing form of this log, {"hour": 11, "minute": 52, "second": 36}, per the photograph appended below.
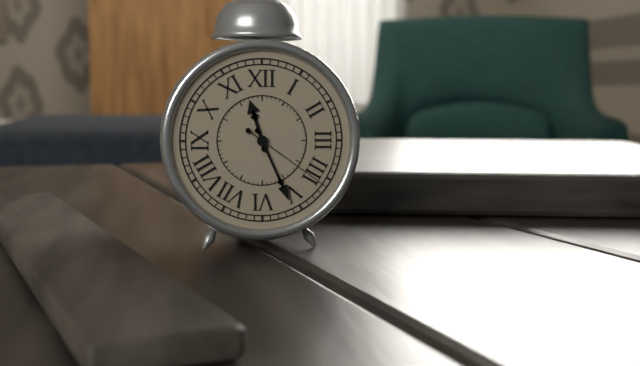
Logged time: {"hour": 11, "minute": 26, "second": 21}
